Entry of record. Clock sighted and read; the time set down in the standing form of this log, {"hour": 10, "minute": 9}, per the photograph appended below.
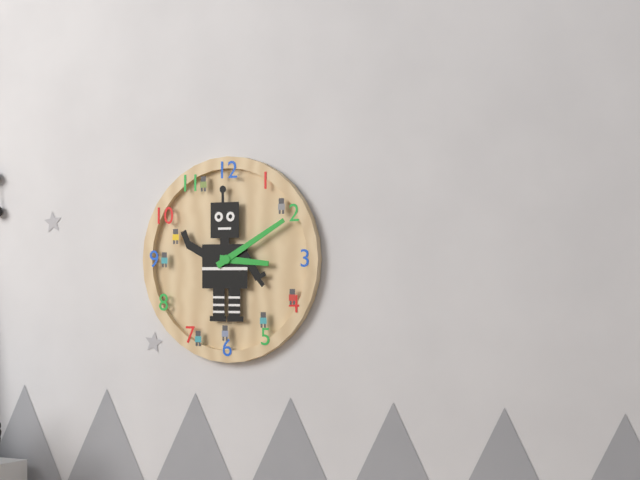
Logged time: {"hour": 3, "minute": 10}
